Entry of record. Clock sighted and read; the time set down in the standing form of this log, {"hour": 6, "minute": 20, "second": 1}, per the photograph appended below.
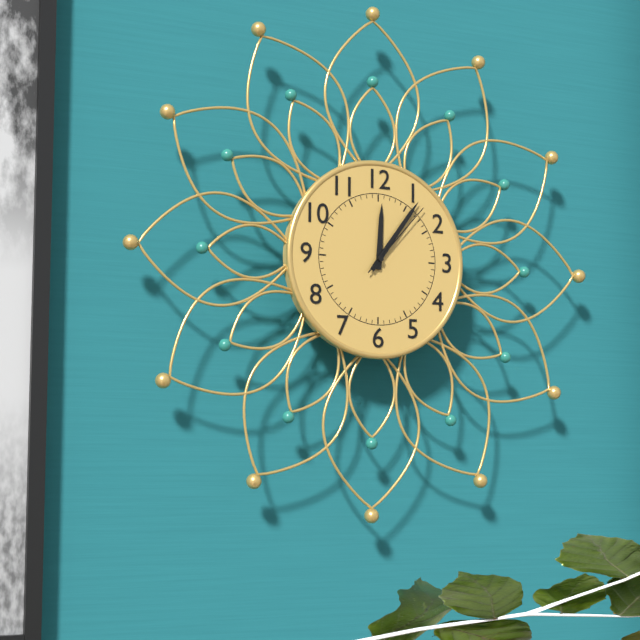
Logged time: {"hour": 12, "minute": 6, "second": 7}
